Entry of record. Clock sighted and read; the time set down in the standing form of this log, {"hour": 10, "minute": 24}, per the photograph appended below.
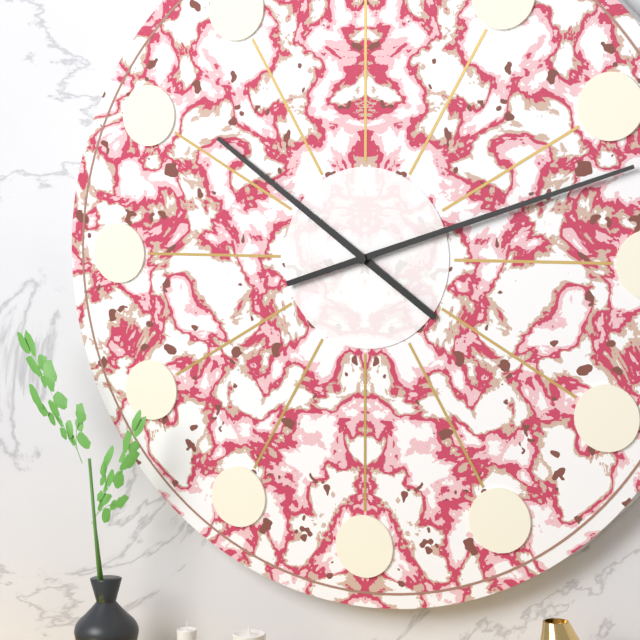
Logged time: {"hour": 10, "minute": 12}
